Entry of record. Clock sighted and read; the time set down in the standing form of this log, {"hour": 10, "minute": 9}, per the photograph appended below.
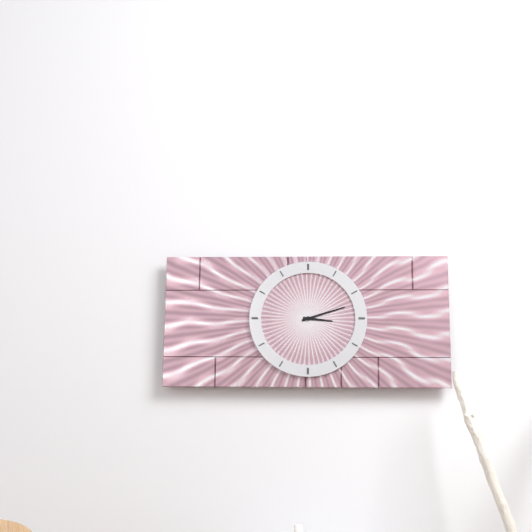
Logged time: {"hour": 3, "minute": 12}
